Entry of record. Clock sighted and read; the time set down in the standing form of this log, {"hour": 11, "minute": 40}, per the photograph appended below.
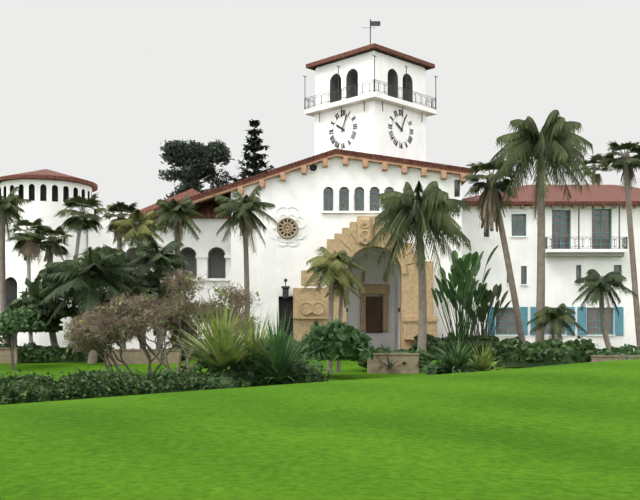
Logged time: {"hour": 10, "minute": 4}
